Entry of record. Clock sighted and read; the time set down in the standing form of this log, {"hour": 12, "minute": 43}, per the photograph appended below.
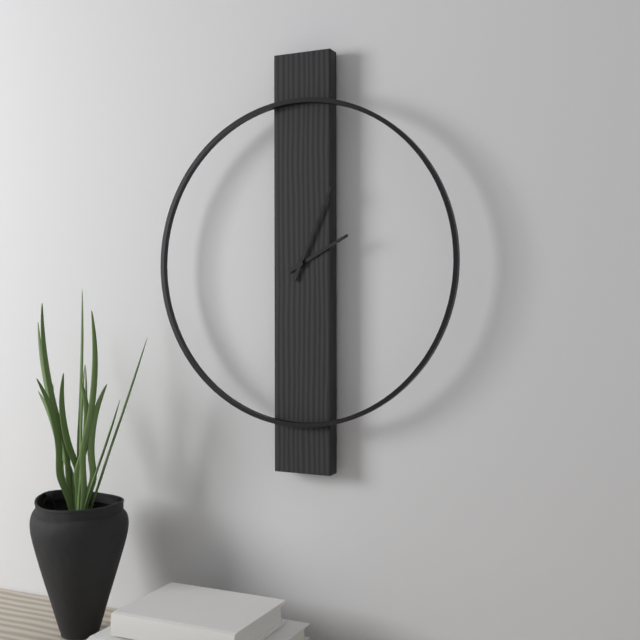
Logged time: {"hour": 2, "minute": 4}
